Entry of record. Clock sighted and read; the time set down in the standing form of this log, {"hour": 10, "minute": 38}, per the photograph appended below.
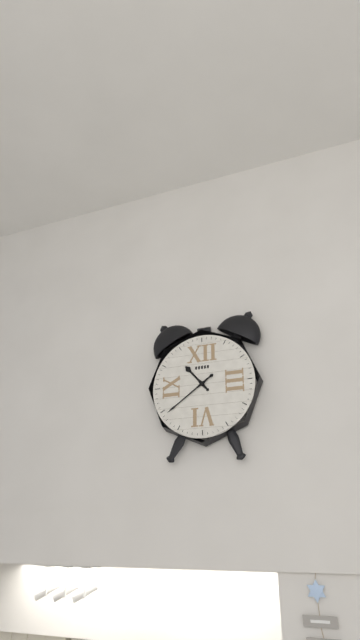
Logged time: {"hour": 10, "minute": 39}
